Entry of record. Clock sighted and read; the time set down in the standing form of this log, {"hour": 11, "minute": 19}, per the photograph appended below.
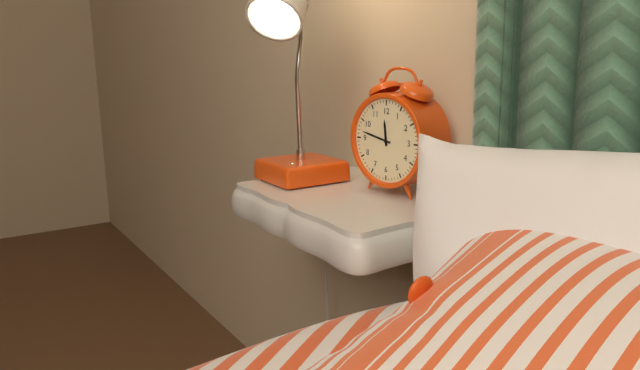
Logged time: {"hour": 11, "minute": 47}
